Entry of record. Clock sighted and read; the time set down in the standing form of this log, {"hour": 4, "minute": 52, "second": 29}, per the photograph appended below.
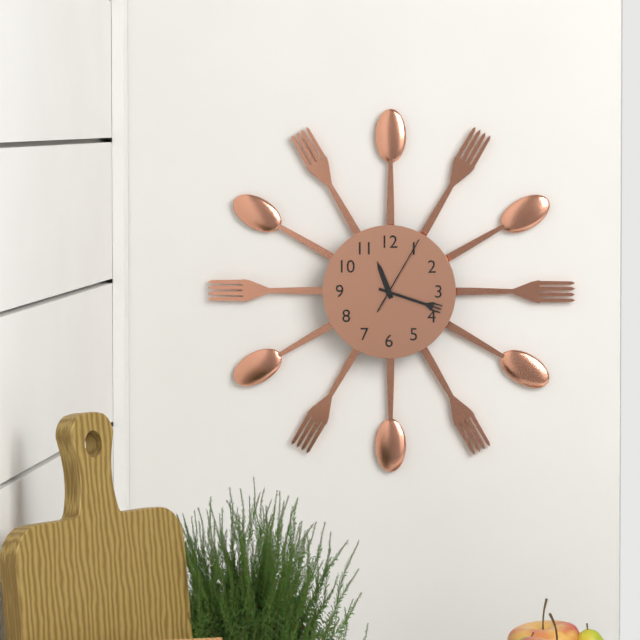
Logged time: {"hour": 11, "minute": 18, "second": 5}
